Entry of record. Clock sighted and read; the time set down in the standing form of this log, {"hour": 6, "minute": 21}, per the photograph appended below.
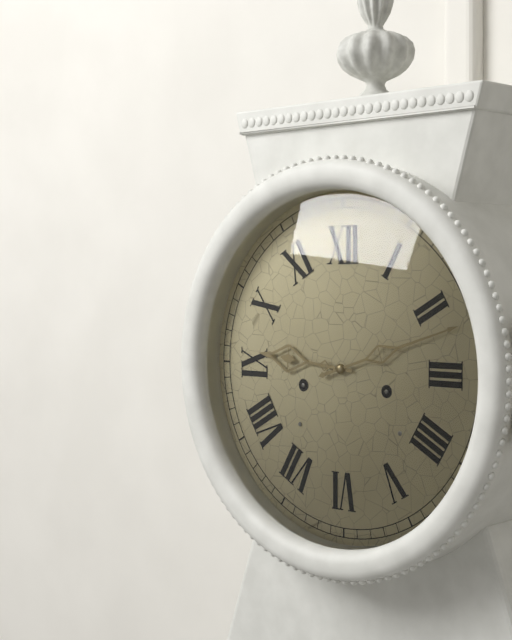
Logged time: {"hour": 9, "minute": 12}
